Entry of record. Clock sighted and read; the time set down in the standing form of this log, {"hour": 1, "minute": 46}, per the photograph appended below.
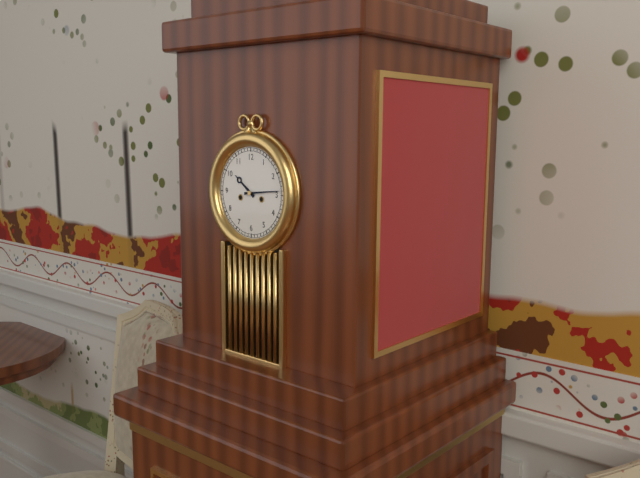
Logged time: {"hour": 10, "minute": 14}
